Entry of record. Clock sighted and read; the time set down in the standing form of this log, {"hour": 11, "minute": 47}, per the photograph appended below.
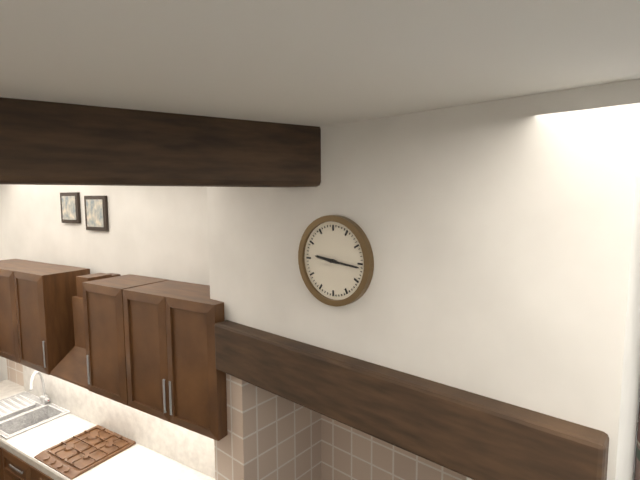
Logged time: {"hour": 9, "minute": 16}
